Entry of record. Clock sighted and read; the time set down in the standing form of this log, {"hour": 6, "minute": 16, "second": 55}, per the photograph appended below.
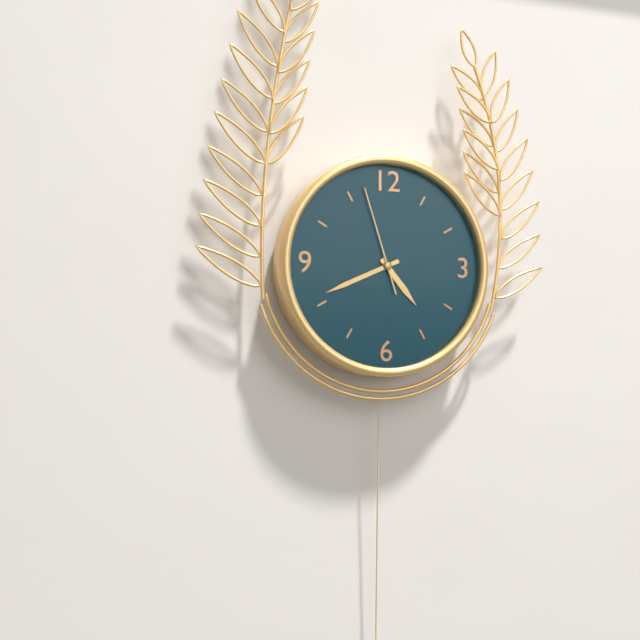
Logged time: {"hour": 4, "minute": 41, "second": 57}
